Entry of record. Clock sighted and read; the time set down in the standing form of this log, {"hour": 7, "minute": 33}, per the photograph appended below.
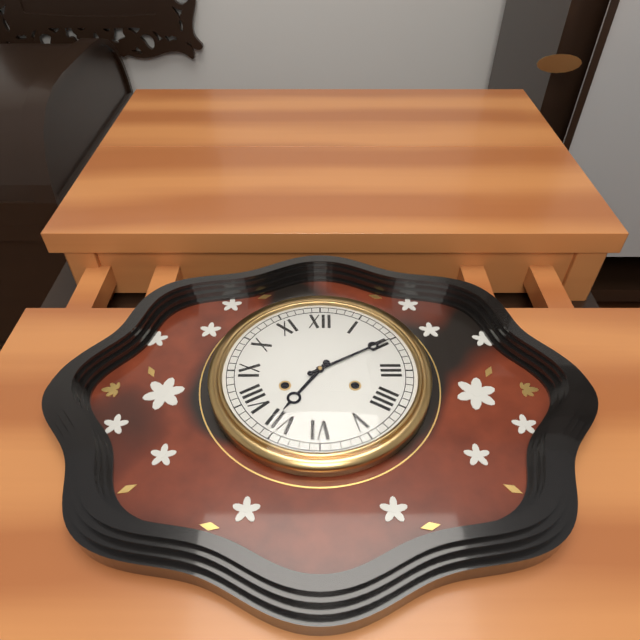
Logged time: {"hour": 7, "minute": 10}
